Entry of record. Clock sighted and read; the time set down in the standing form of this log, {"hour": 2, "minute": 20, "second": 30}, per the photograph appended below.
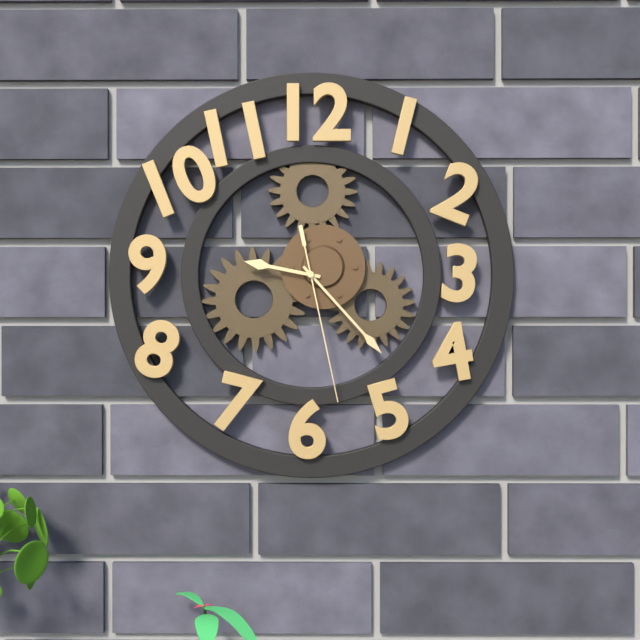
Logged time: {"hour": 9, "minute": 23, "second": 28}
